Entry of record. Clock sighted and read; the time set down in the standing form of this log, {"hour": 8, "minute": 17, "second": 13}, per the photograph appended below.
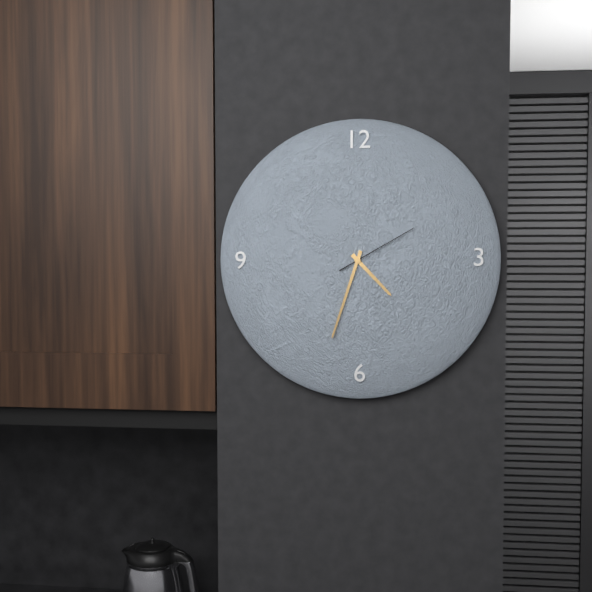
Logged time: {"hour": 4, "minute": 33, "second": 10}
